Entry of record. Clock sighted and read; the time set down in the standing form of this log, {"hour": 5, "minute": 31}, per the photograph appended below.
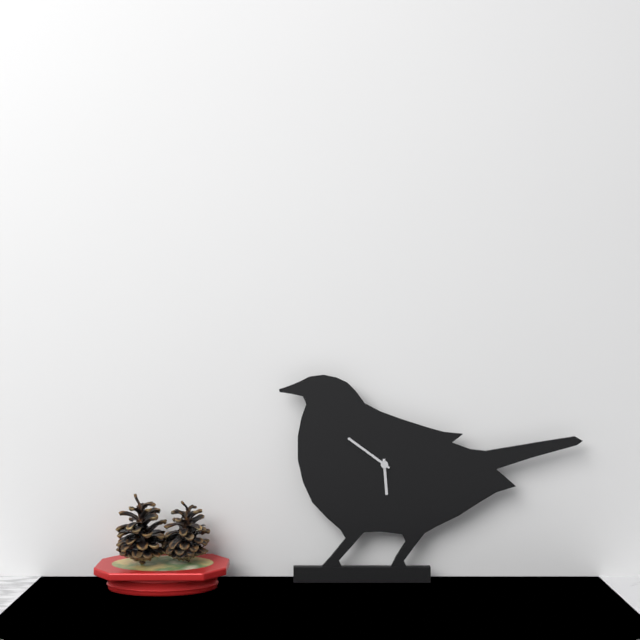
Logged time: {"hour": 5, "minute": 51}
